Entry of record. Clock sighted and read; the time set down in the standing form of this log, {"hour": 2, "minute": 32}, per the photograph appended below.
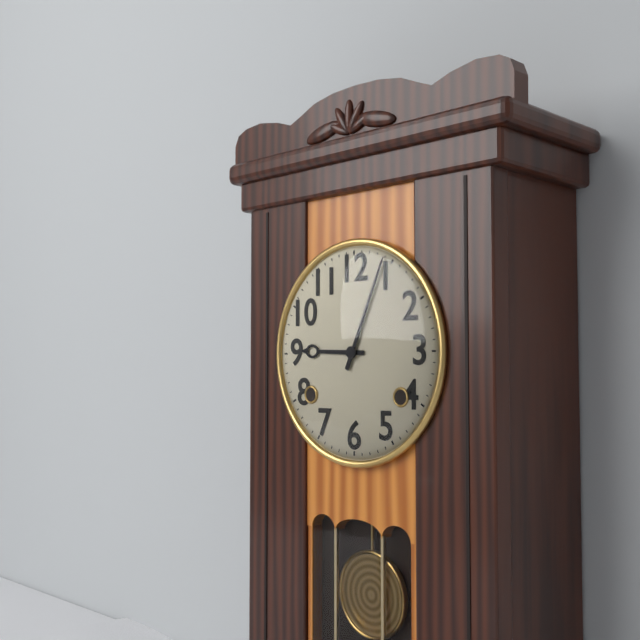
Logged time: {"hour": 9, "minute": 4}
